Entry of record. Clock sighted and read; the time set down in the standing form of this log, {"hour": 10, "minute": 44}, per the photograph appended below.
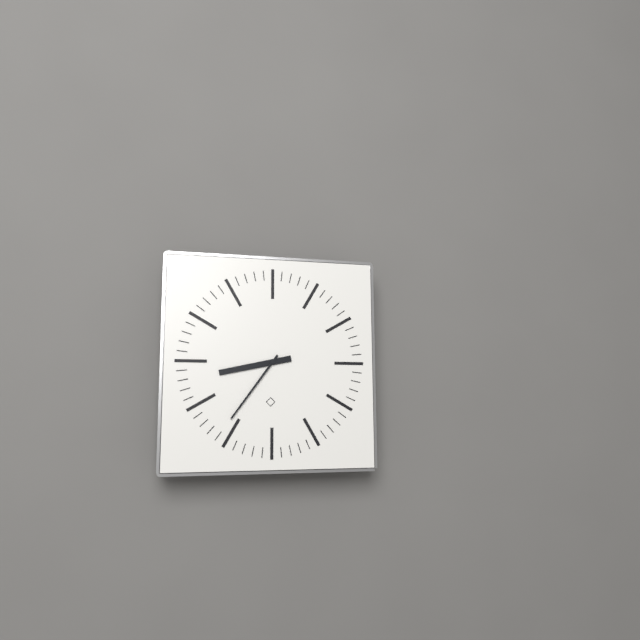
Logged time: {"hour": 8, "minute": 36}
